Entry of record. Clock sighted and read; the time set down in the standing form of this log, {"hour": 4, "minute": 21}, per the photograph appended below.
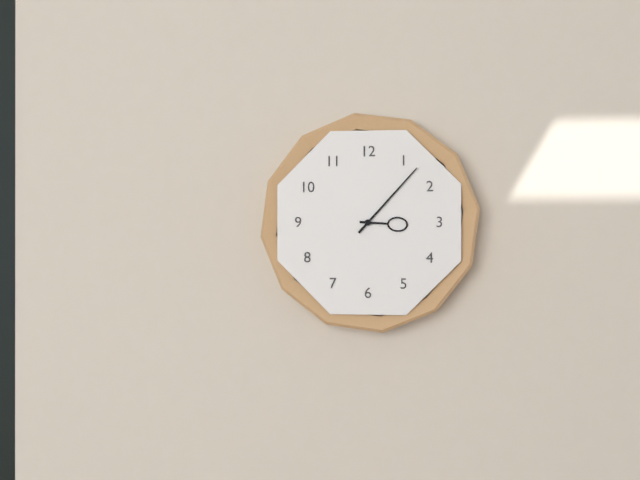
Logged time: {"hour": 3, "minute": 7}
